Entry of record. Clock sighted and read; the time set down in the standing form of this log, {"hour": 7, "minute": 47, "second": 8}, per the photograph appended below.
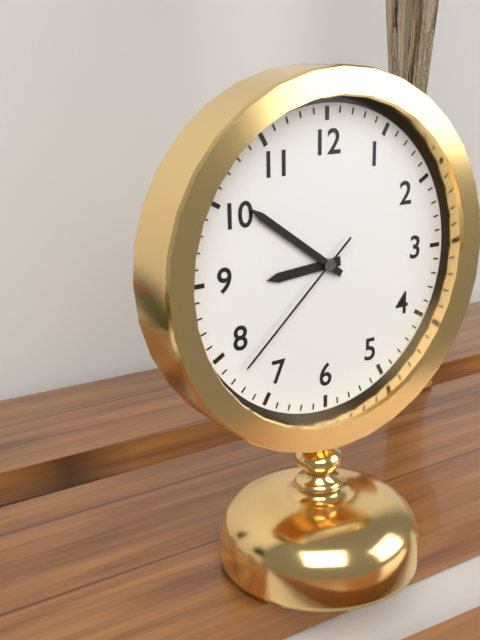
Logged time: {"hour": 8, "minute": 51, "second": 38}
